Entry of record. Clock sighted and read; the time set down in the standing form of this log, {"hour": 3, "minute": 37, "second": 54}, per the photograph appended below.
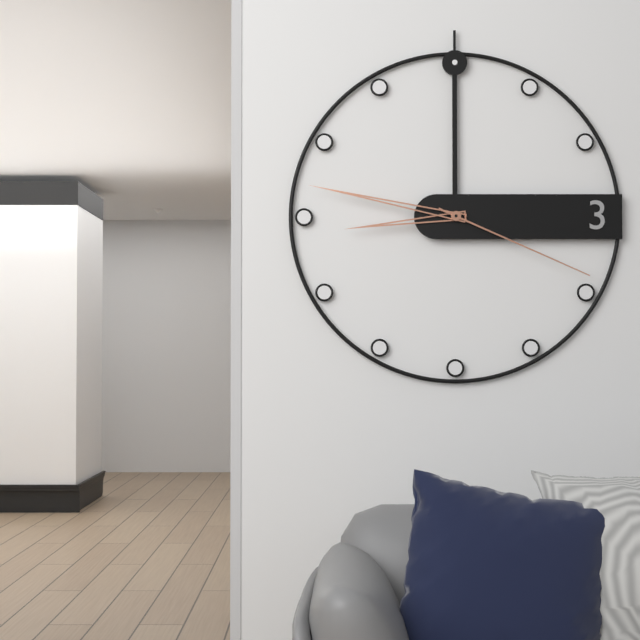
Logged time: {"hour": 8, "minute": 47, "second": 19}
